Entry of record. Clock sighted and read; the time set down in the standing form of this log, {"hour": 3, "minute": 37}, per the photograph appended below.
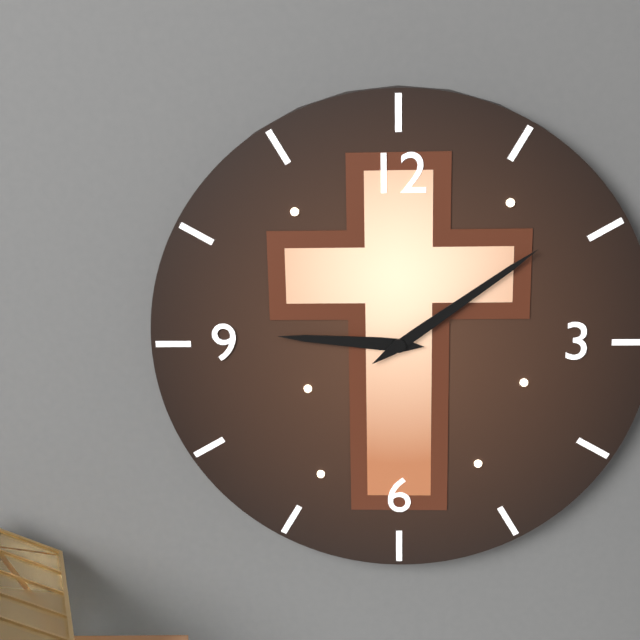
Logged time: {"hour": 9, "minute": 9}
